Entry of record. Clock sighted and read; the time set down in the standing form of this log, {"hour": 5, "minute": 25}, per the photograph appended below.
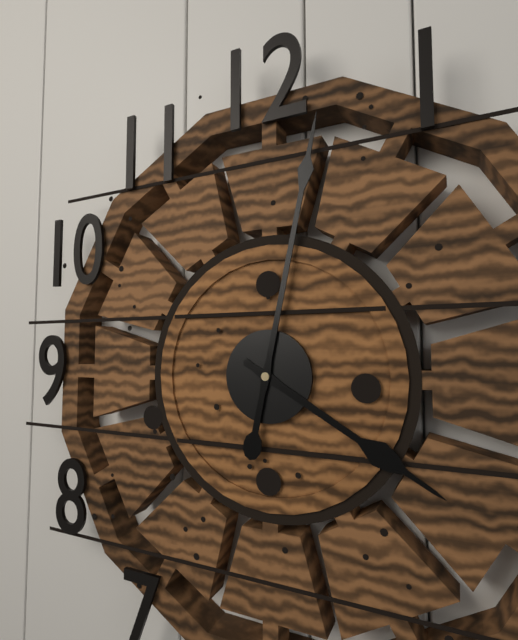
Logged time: {"hour": 4, "minute": 2}
